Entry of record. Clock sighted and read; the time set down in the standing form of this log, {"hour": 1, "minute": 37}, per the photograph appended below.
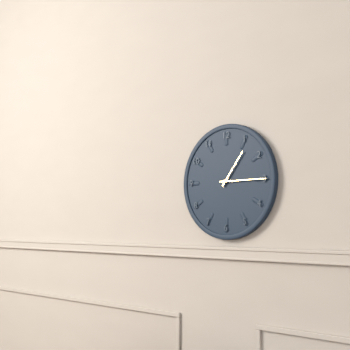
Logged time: {"hour": 1, "minute": 15}
